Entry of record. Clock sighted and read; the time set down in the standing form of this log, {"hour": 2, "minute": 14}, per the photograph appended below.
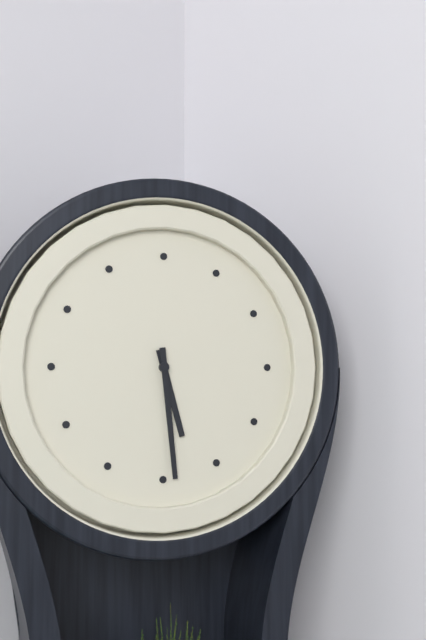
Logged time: {"hour": 5, "minute": 29}
